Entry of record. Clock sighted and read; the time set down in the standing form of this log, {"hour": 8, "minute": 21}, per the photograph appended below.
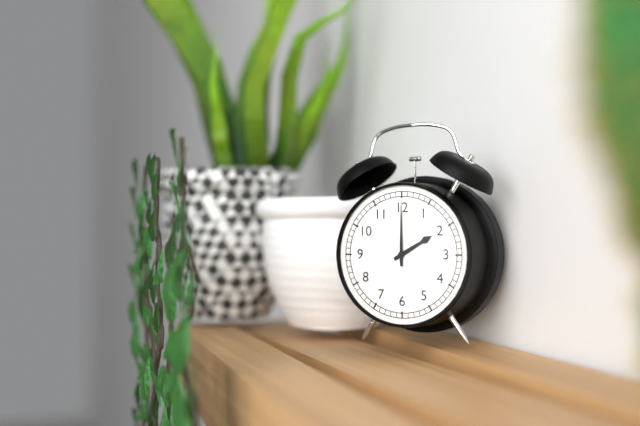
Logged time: {"hour": 2, "minute": 0}
